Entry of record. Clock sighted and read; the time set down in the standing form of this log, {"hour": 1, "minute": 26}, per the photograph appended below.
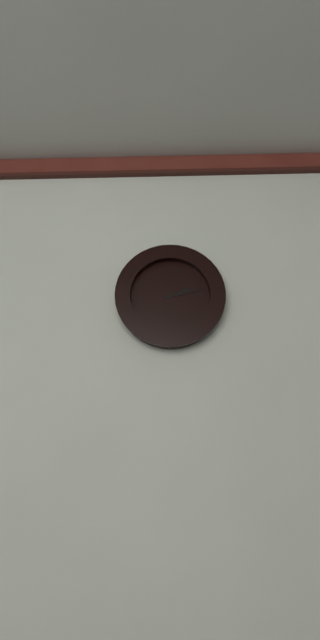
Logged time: {"hour": 2, "minute": 13}
